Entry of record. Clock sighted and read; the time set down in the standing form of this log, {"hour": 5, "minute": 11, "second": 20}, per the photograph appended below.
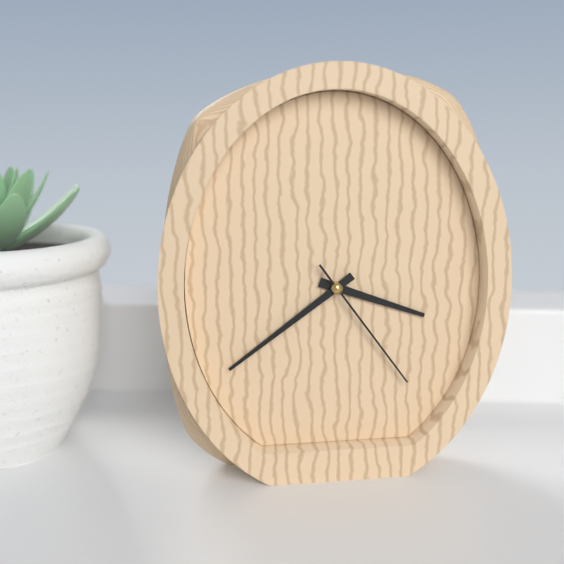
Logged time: {"hour": 3, "minute": 39, "second": 24}
